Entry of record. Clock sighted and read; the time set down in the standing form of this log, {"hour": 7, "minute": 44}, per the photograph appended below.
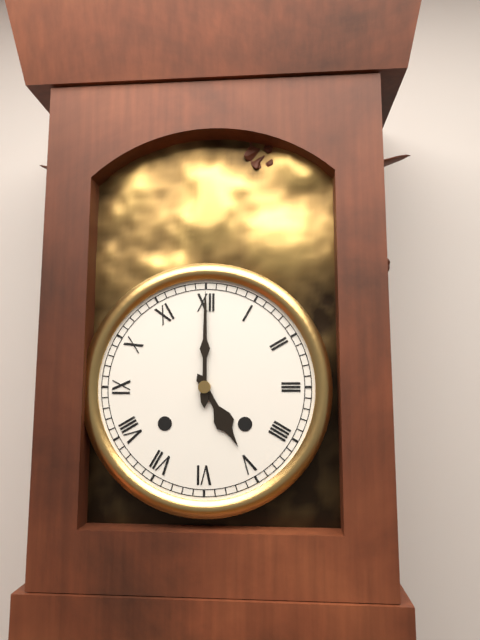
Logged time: {"hour": 5, "minute": 0}
